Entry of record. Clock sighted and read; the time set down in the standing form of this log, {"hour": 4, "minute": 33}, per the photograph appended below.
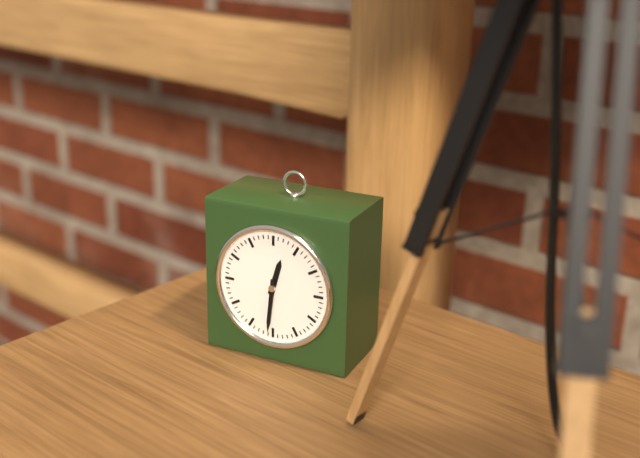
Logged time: {"hour": 12, "minute": 31}
